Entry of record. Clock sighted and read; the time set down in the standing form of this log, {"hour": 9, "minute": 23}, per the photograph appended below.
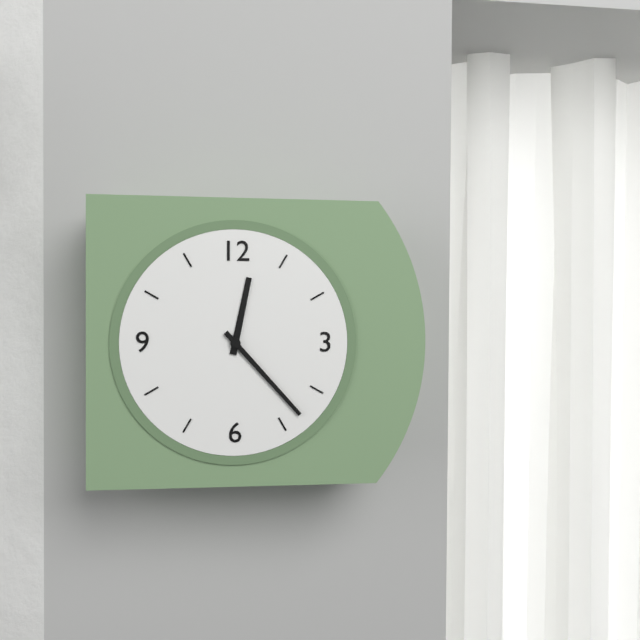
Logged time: {"hour": 12, "minute": 23}
